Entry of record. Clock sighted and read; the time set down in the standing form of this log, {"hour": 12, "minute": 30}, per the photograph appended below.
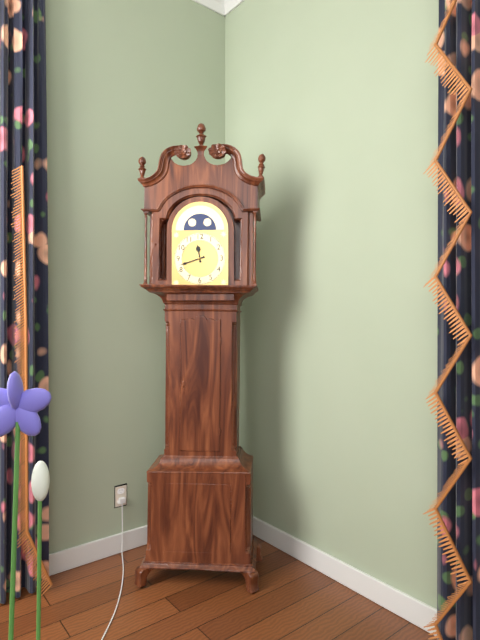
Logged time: {"hour": 11, "minute": 42}
